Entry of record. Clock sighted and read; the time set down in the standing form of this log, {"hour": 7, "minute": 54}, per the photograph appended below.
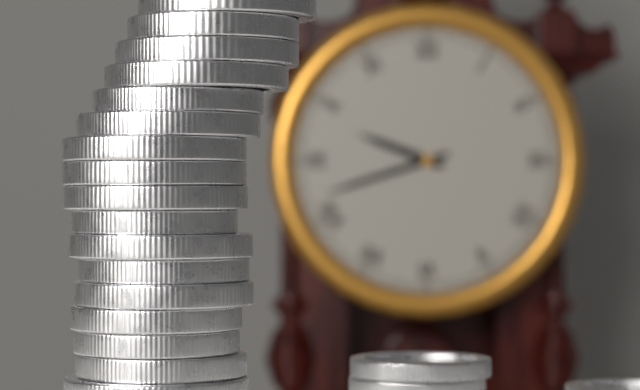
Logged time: {"hour": 9, "minute": 42}
